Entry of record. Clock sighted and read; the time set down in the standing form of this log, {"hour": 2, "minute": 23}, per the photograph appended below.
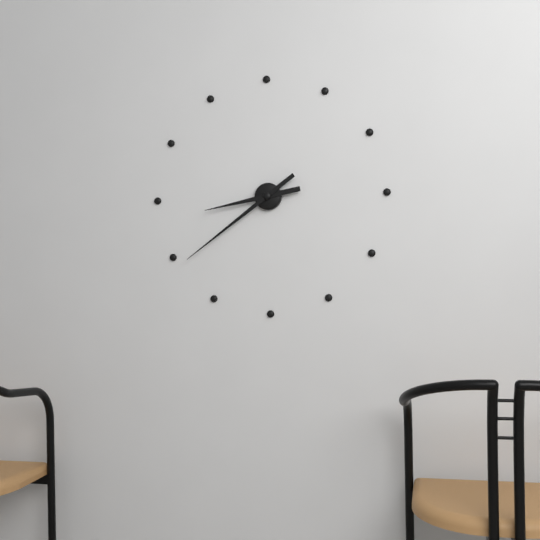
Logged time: {"hour": 8, "minute": 39}
